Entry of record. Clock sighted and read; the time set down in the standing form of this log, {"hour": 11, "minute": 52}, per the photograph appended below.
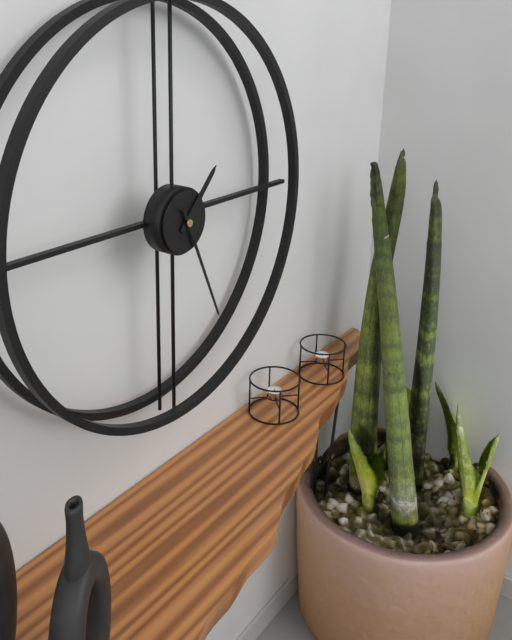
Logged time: {"hour": 1, "minute": 26}
